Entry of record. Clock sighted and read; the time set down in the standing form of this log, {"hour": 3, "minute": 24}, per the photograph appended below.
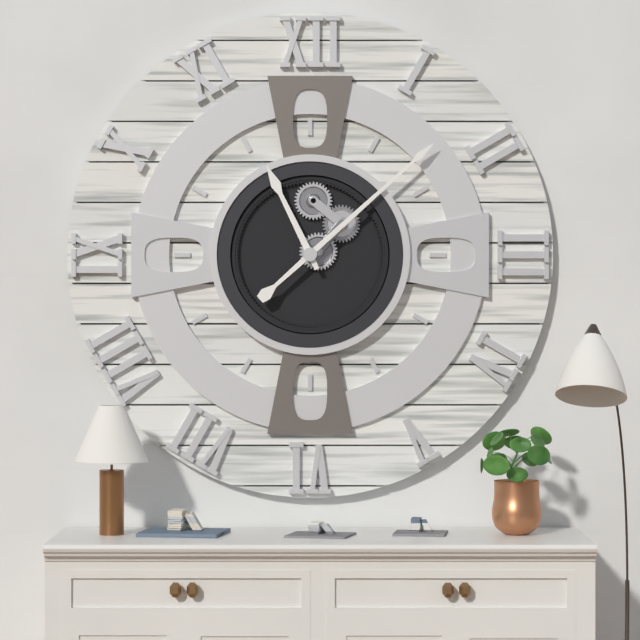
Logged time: {"hour": 11, "minute": 8}
